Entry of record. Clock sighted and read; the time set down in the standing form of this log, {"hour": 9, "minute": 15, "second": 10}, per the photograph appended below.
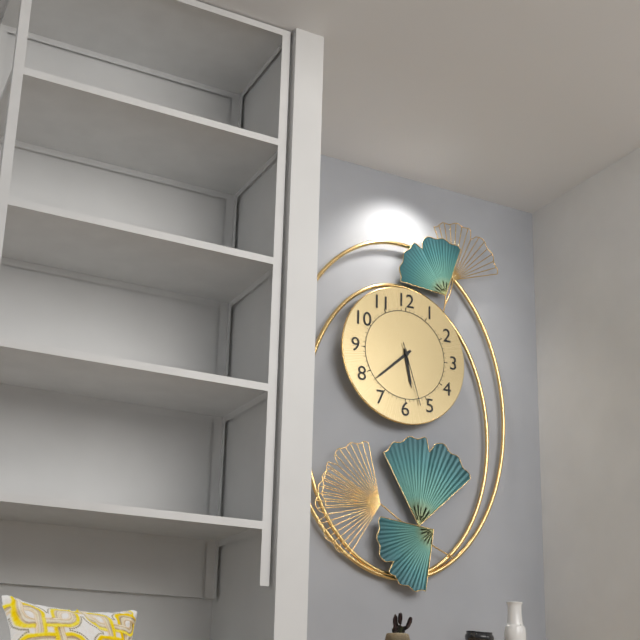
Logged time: {"hour": 5, "minute": 38, "second": 27}
